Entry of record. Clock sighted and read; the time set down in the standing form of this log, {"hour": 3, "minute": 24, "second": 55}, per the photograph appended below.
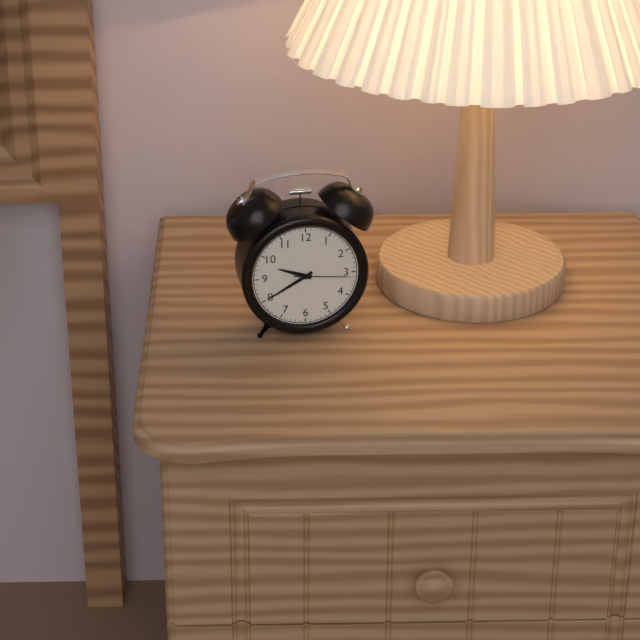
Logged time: {"hour": 9, "minute": 40, "second": 16}
